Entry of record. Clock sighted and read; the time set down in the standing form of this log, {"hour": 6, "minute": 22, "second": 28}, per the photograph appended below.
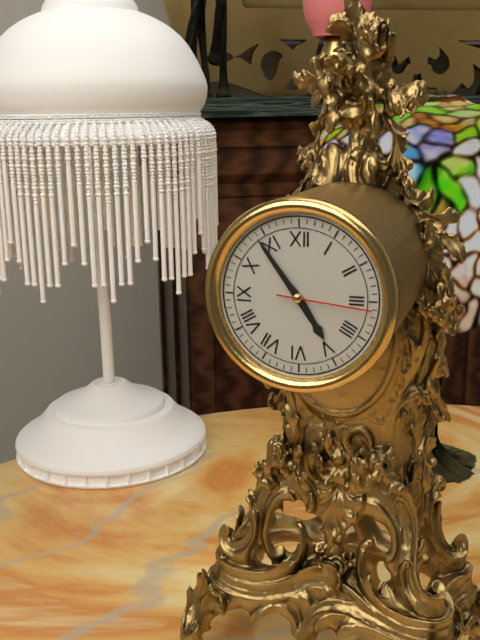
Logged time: {"hour": 4, "minute": 54, "second": 16}
